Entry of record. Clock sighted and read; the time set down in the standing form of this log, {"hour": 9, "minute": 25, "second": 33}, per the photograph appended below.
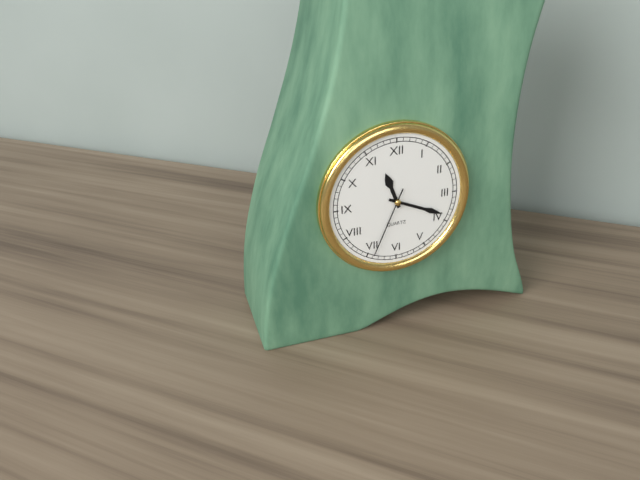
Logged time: {"hour": 11, "minute": 19, "second": 34}
